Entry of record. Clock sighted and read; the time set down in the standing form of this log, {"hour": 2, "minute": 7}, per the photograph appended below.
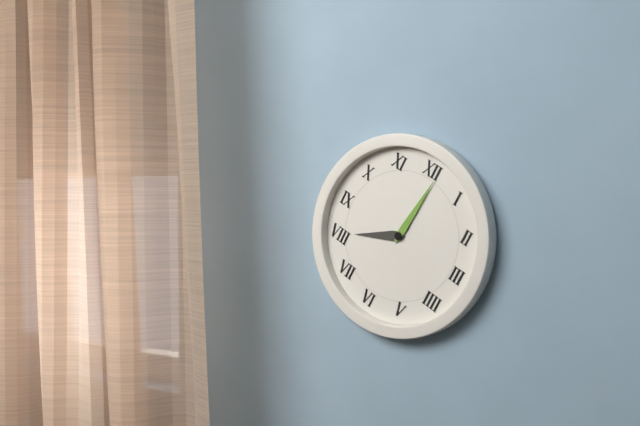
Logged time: {"hour": 8, "minute": 1}
